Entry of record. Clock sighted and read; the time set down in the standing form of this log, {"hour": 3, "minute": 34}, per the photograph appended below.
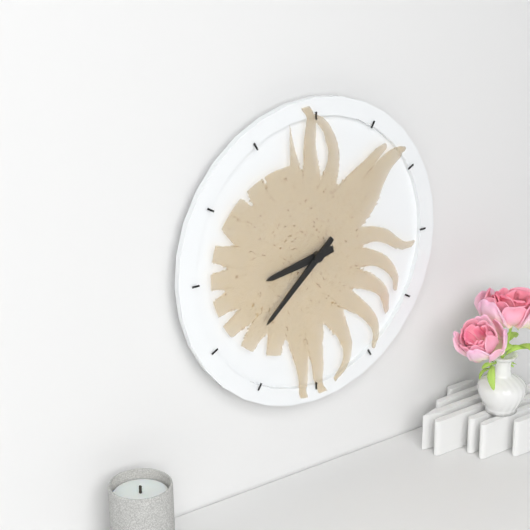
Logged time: {"hour": 8, "minute": 38}
